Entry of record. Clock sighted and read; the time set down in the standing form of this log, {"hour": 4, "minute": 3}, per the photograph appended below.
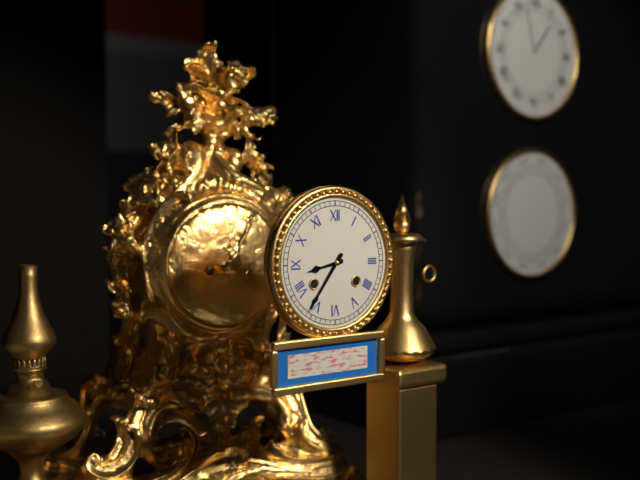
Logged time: {"hour": 8, "minute": 36}
